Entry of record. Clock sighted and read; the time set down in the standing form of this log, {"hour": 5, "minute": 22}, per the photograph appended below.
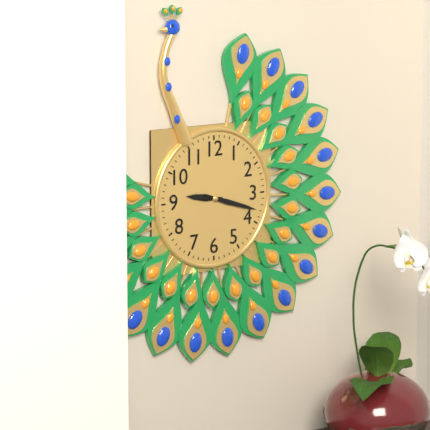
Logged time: {"hour": 9, "minute": 18}
